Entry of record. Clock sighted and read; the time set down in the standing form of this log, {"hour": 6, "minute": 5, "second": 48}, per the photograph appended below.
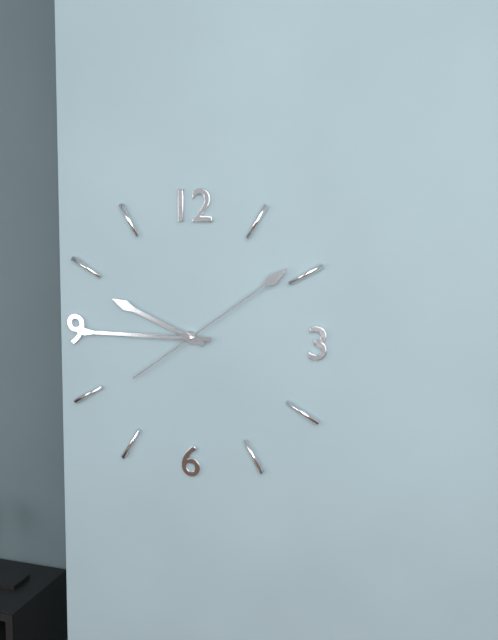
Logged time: {"hour": 9, "minute": 45, "second": 9}
